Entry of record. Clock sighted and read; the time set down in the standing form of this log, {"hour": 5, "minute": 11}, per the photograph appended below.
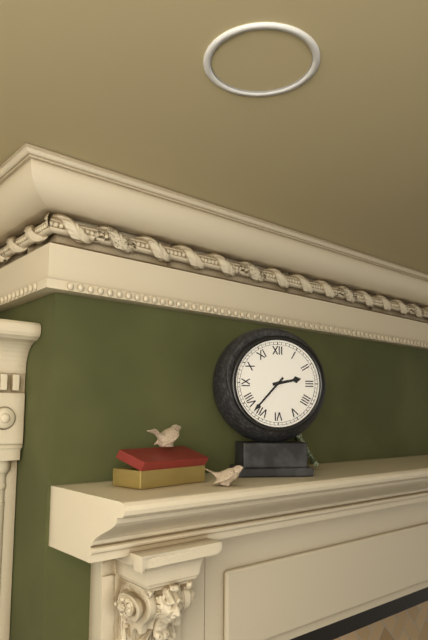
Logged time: {"hour": 2, "minute": 37}
